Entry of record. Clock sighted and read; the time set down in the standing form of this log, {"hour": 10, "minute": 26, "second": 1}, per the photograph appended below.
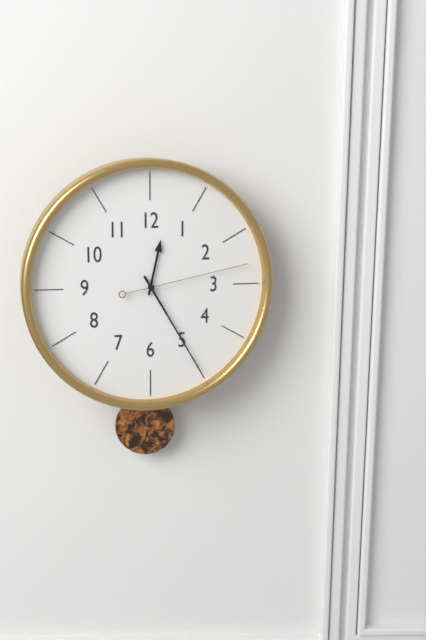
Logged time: {"hour": 12, "minute": 25, "second": 13}
